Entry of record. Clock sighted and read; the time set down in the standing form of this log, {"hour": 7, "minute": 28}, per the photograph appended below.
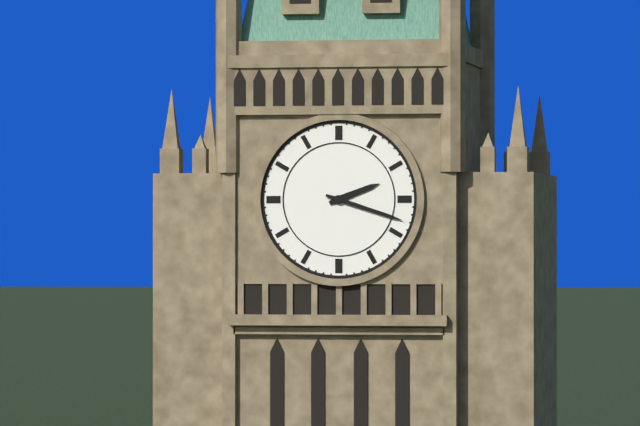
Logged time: {"hour": 2, "minute": 18}
